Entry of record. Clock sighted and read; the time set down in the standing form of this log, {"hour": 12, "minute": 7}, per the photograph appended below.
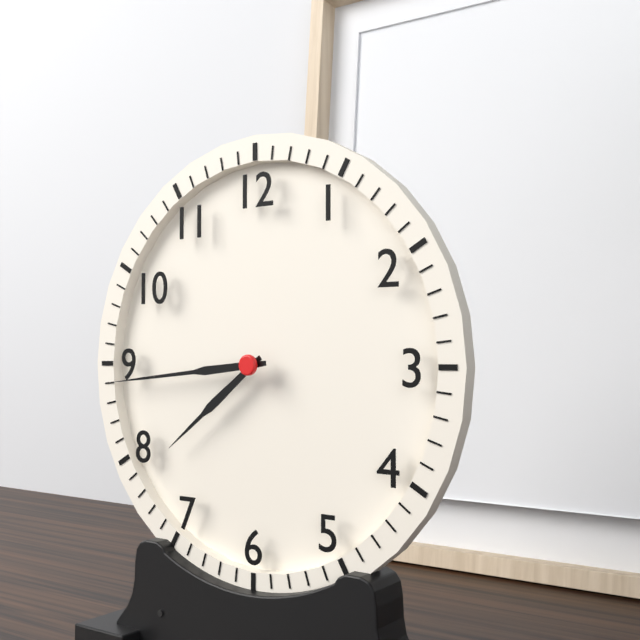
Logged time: {"hour": 7, "minute": 44}
